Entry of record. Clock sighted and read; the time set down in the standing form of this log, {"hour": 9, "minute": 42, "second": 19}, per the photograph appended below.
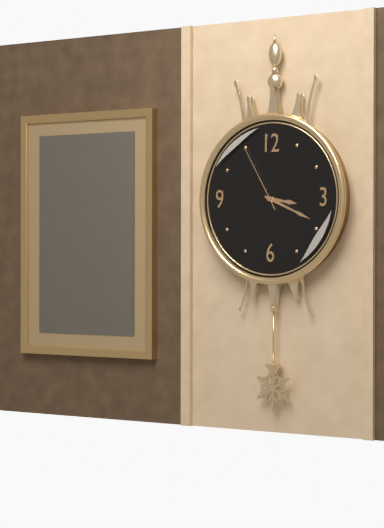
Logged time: {"hour": 3, "minute": 19, "second": 55}
